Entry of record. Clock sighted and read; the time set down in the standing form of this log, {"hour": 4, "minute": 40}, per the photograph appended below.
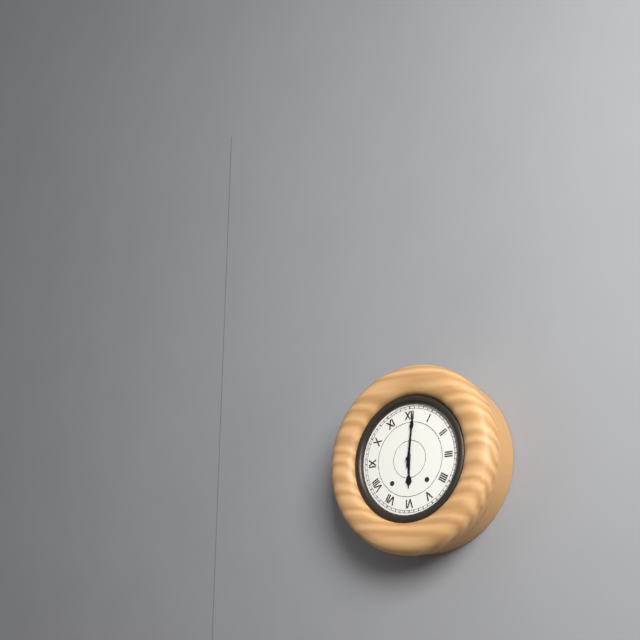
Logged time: {"hour": 6, "minute": 1}
